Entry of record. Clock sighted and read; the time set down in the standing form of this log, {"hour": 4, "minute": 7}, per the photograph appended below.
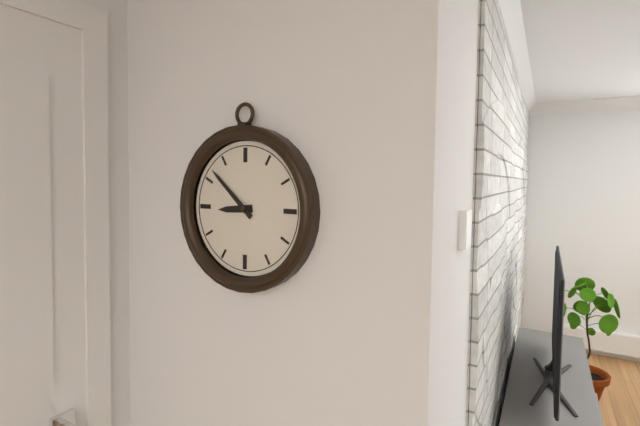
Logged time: {"hour": 8, "minute": 52}
